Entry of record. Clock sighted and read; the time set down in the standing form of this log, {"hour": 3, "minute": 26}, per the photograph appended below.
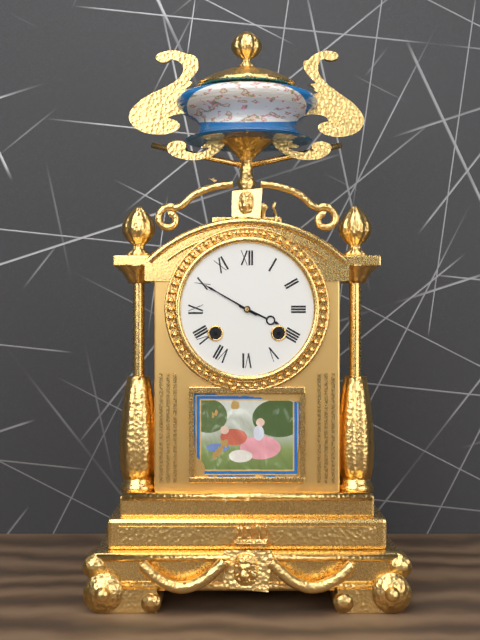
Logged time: {"hour": 3, "minute": 50}
